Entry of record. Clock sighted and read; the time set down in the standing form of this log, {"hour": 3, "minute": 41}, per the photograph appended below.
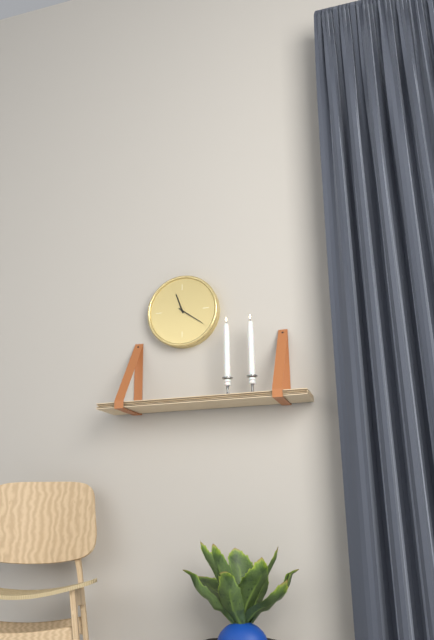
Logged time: {"hour": 11, "minute": 21}
